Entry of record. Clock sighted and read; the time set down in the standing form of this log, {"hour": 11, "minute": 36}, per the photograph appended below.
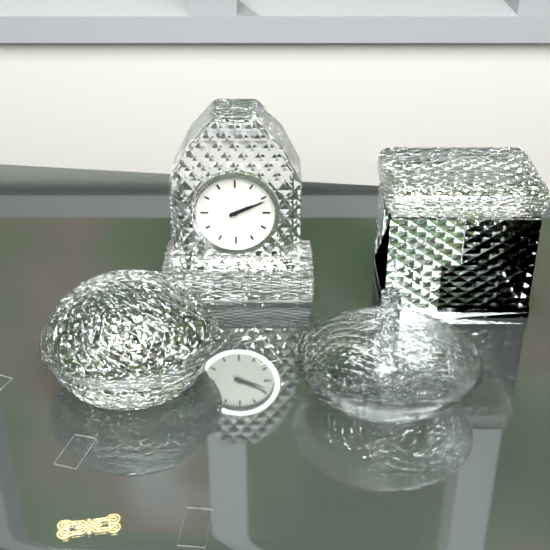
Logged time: {"hour": 2, "minute": 11}
